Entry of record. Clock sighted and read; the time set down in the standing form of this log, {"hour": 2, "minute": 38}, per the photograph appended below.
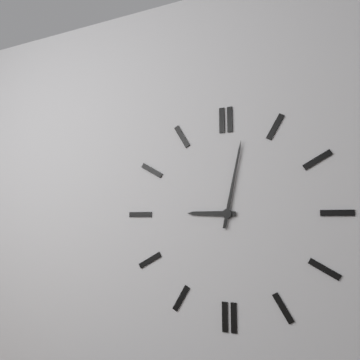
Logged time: {"hour": 9, "minute": 2}
